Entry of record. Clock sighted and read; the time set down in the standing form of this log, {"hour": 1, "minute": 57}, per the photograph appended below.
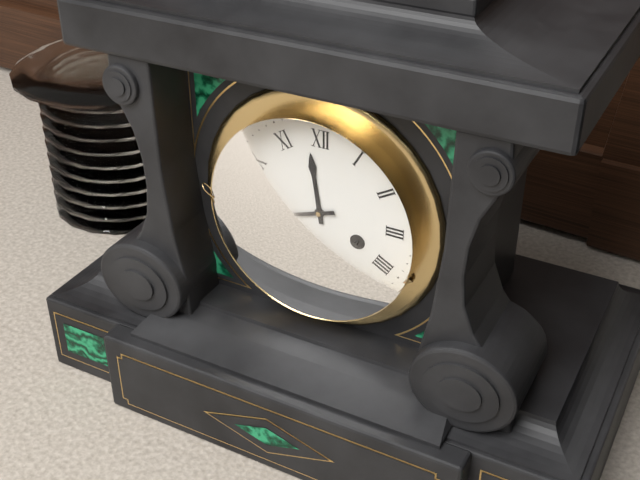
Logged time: {"hour": 11, "minute": 42}
